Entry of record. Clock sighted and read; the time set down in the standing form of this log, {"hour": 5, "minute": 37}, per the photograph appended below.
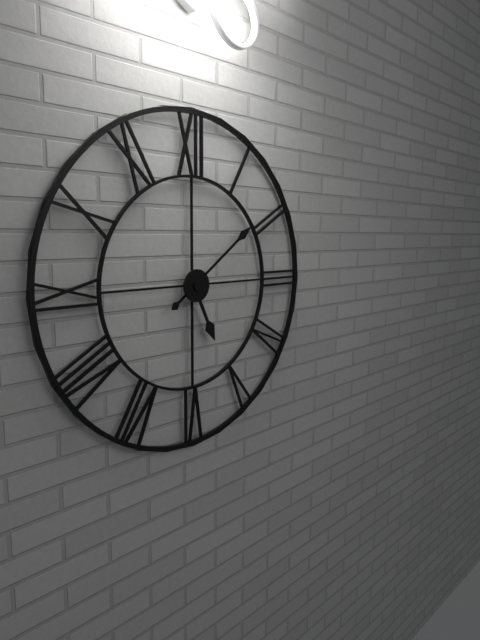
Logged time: {"hour": 5, "minute": 9}
